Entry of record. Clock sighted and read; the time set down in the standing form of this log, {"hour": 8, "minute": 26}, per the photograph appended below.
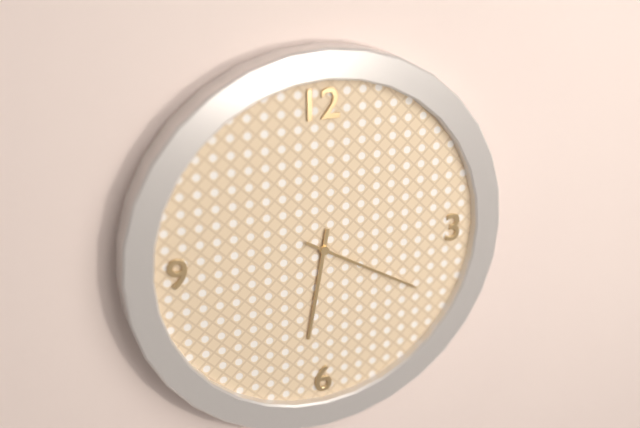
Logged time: {"hour": 6, "minute": 20}
